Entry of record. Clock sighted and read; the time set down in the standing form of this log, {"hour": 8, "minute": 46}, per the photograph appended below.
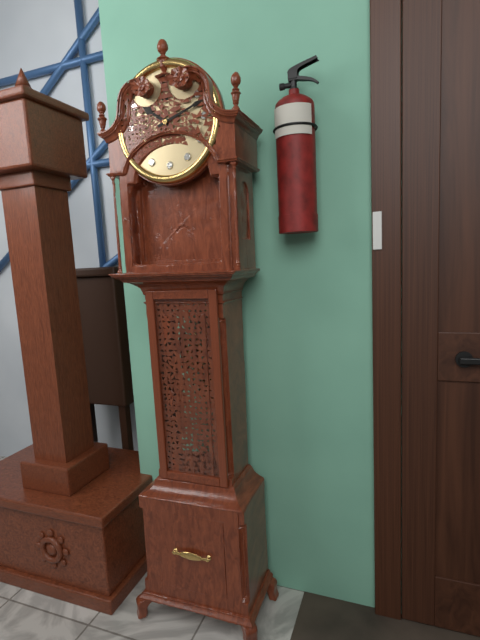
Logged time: {"hour": 10, "minute": 12}
